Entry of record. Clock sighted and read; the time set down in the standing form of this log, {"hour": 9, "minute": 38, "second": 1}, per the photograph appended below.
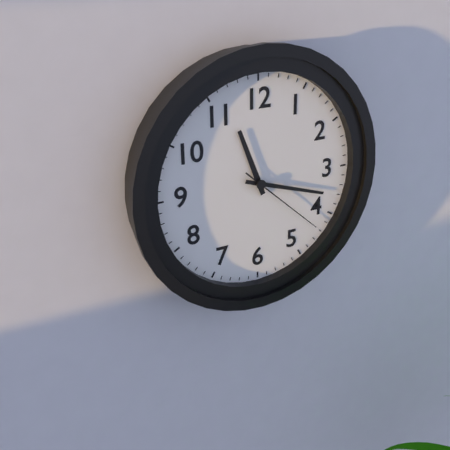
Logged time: {"hour": 11, "minute": 18, "second": 22}
